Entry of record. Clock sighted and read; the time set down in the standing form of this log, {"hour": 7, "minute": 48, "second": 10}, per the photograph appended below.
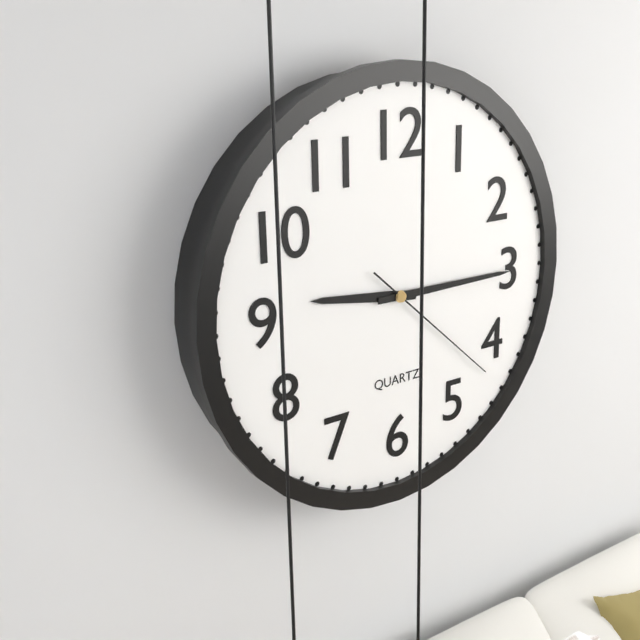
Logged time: {"hour": 9, "minute": 15, "second": 22}
